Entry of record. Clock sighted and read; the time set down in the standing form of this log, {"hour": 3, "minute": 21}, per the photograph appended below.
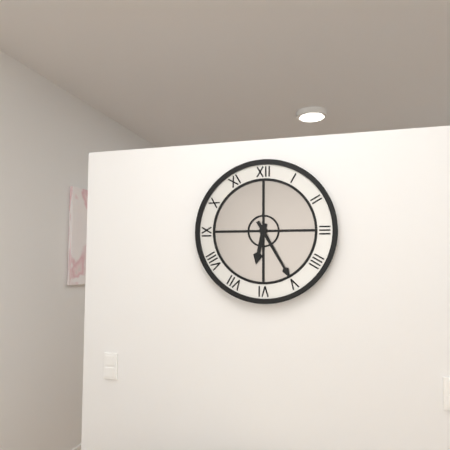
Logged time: {"hour": 6, "minute": 25}
